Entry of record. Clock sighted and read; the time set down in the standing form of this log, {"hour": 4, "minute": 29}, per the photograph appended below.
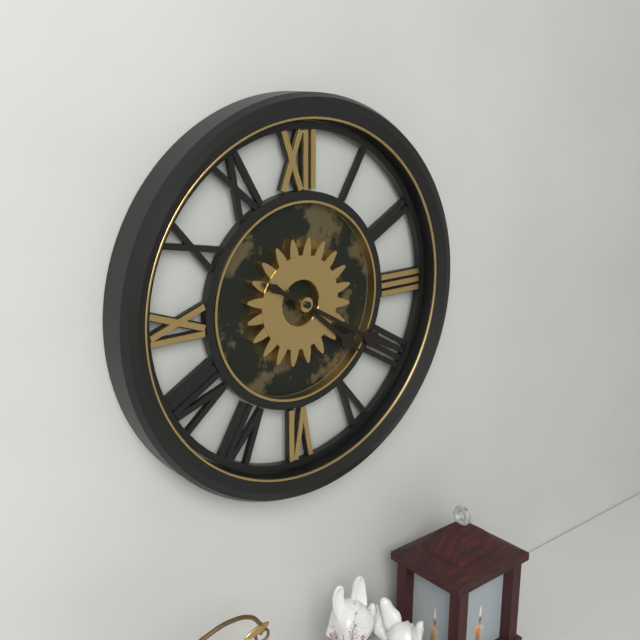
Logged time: {"hour": 4, "minute": 20}
